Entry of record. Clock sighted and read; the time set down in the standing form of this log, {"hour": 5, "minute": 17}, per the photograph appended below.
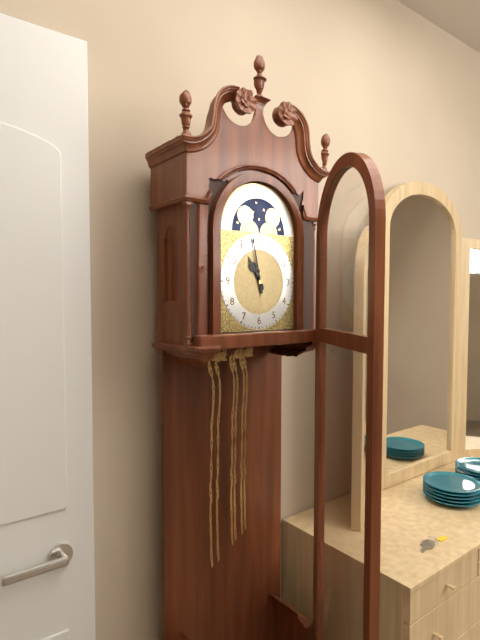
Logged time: {"hour": 10, "minute": 58}
